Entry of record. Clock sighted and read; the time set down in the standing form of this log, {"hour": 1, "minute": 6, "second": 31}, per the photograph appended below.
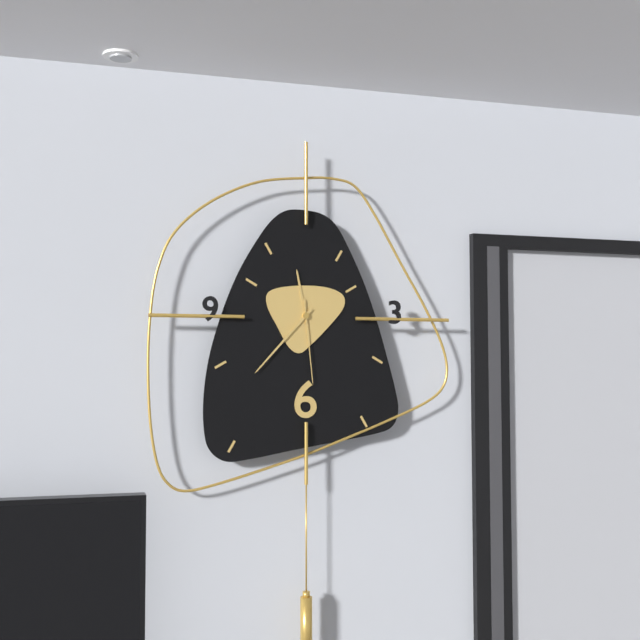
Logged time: {"hour": 11, "minute": 37, "second": 29}
